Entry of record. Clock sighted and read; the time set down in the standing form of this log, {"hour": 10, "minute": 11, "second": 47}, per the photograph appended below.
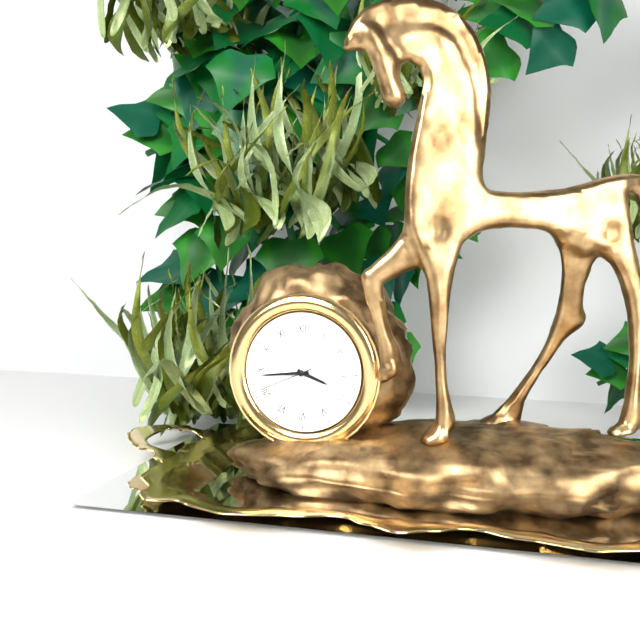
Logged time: {"hour": 3, "minute": 44, "second": 41}
